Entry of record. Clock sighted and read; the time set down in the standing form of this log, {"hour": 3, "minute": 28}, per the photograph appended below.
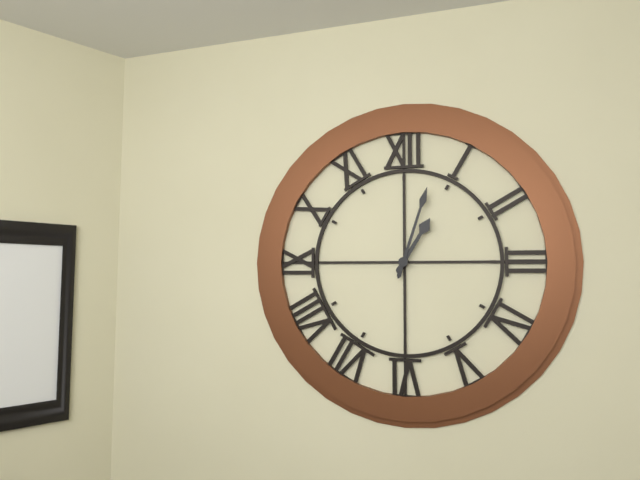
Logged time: {"hour": 1, "minute": 3}
